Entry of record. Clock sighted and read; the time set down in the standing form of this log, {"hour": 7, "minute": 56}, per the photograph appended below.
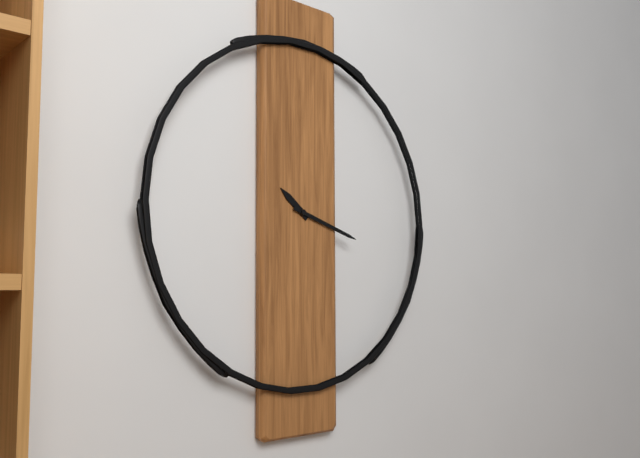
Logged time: {"hour": 10, "minute": 18}
